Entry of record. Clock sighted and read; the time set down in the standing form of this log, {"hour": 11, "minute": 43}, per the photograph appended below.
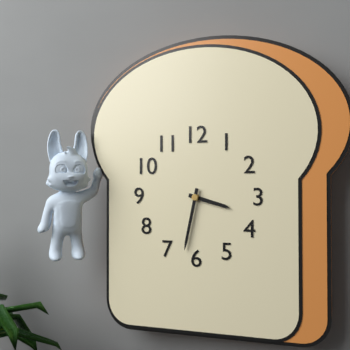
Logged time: {"hour": 3, "minute": 32}
